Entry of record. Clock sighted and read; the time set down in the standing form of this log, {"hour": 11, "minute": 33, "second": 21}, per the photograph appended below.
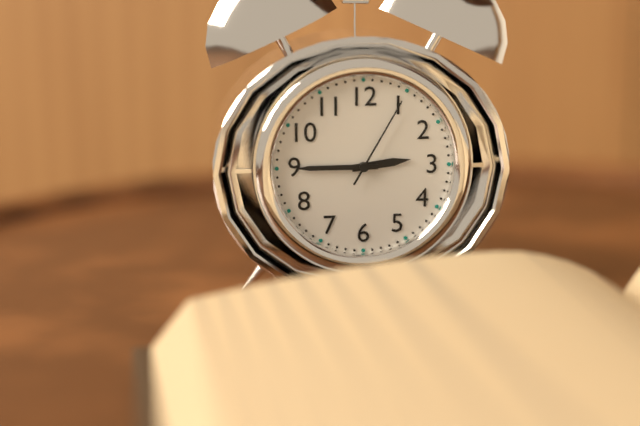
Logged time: {"hour": 2, "minute": 45, "second": 5}
